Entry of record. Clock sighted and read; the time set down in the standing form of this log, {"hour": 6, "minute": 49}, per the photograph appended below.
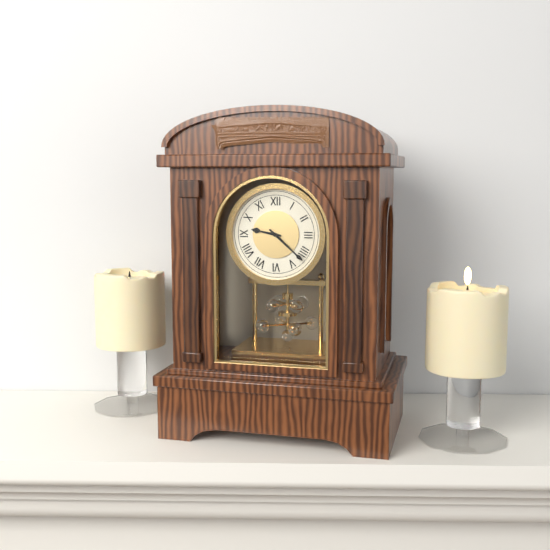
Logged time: {"hour": 9, "minute": 22}
